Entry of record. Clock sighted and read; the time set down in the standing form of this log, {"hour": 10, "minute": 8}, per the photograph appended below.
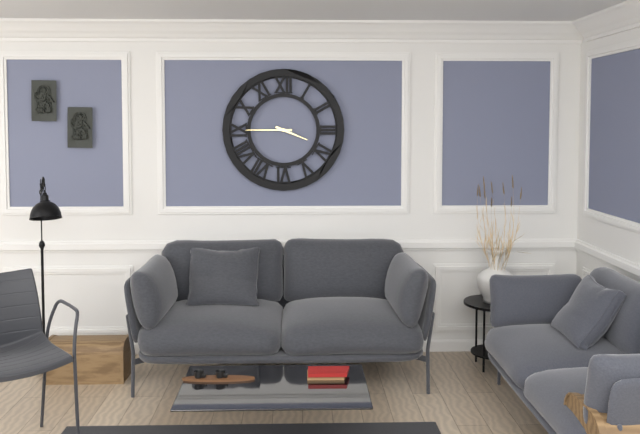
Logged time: {"hour": 3, "minute": 45}
